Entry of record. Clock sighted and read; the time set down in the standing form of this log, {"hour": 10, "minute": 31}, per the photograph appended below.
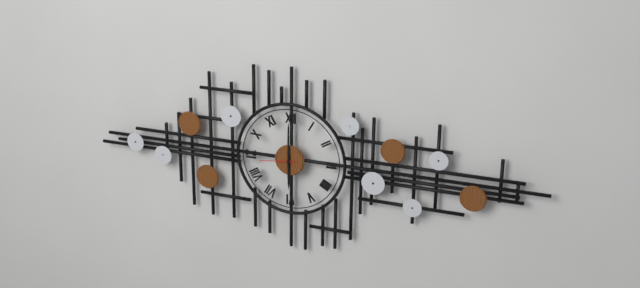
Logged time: {"hour": 6, "minute": 0}
